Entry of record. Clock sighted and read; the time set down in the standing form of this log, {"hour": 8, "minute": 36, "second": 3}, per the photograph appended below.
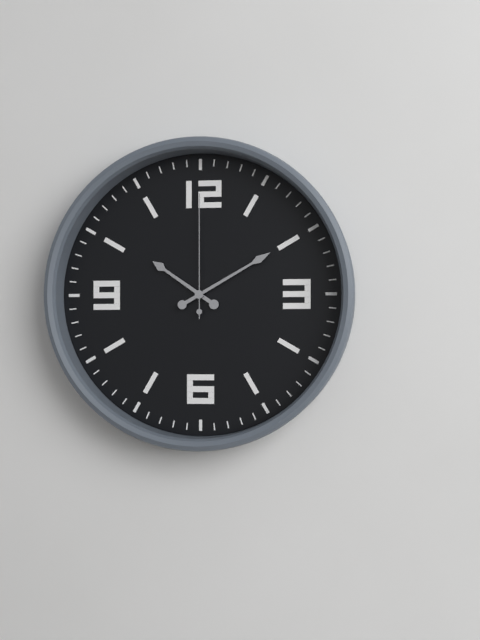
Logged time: {"hour": 10, "minute": 10, "second": 0}
